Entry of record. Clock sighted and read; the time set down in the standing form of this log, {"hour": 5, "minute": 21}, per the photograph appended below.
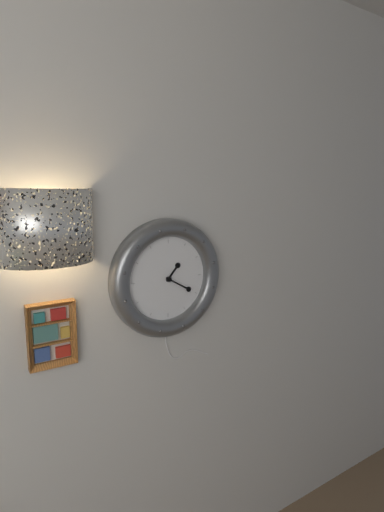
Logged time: {"hour": 1, "minute": 20}
